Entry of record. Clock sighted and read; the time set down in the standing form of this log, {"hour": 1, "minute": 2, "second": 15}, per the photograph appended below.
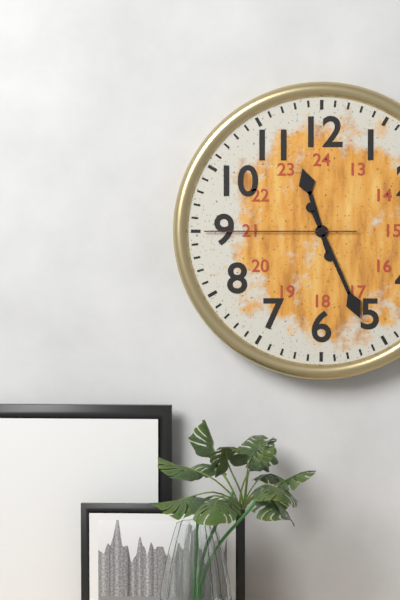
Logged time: {"hour": 11, "minute": 26, "second": 45}
